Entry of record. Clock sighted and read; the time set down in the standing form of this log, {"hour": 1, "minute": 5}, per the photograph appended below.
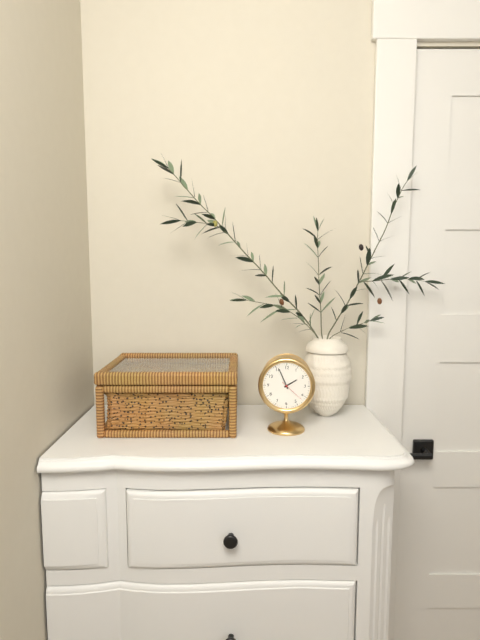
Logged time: {"hour": 1, "minute": 56}
